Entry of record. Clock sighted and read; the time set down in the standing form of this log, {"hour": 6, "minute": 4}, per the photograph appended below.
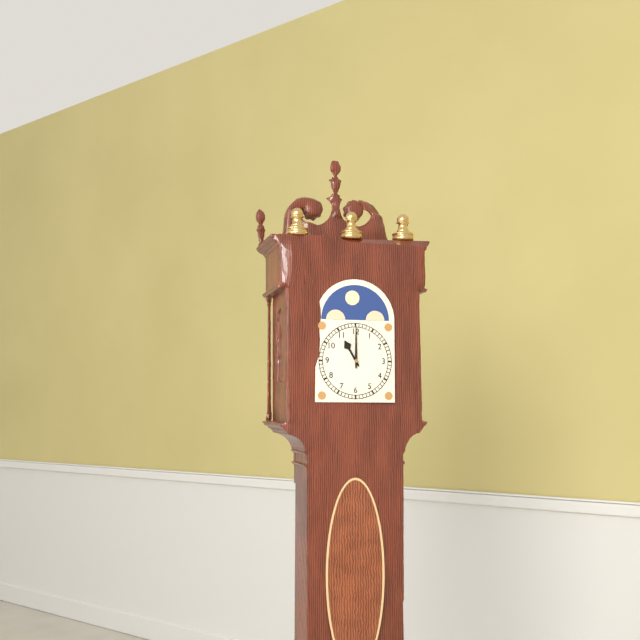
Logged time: {"hour": 11, "minute": 0}
